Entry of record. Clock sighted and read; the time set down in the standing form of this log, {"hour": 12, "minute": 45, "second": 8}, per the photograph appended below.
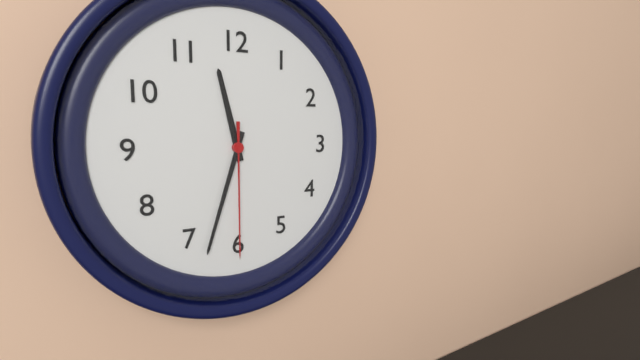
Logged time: {"hour": 11, "minute": 33, "second": 30}
